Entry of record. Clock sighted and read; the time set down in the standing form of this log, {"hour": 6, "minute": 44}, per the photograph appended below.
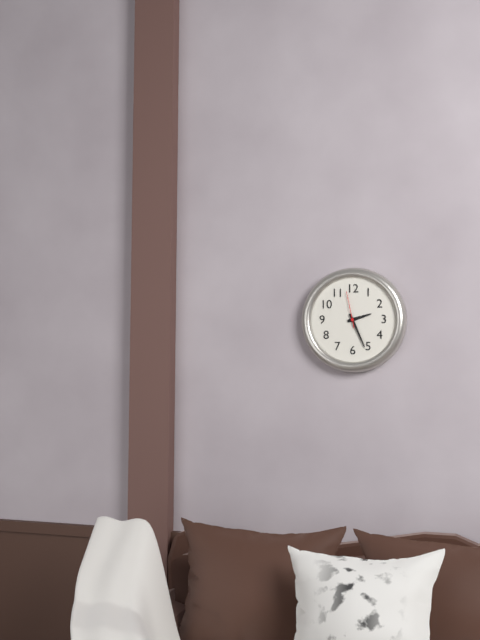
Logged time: {"hour": 2, "minute": 26}
